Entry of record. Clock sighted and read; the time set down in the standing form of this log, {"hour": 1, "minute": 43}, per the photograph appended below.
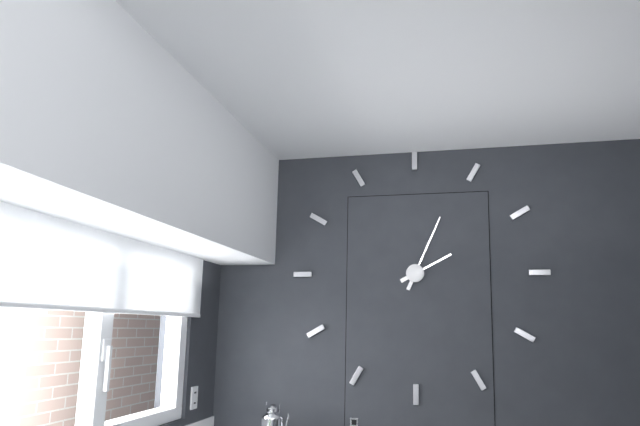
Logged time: {"hour": 2, "minute": 4}
